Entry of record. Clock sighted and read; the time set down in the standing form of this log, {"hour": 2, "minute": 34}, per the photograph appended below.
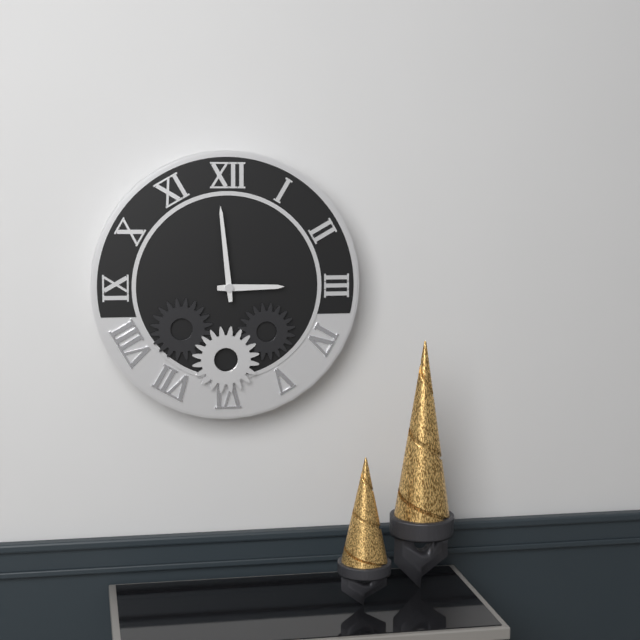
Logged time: {"hour": 2, "minute": 59}
